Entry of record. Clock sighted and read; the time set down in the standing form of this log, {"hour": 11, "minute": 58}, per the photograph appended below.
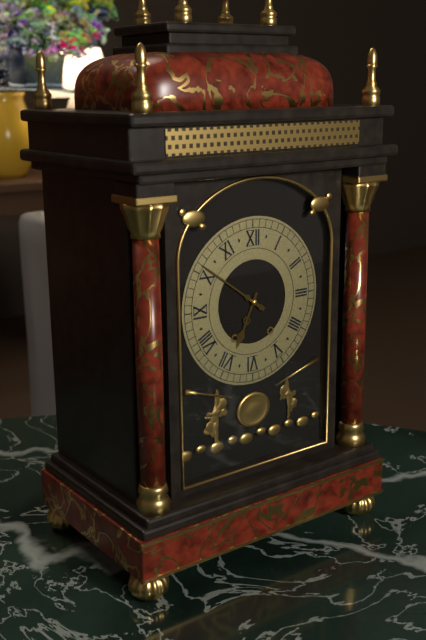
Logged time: {"hour": 6, "minute": 51}
